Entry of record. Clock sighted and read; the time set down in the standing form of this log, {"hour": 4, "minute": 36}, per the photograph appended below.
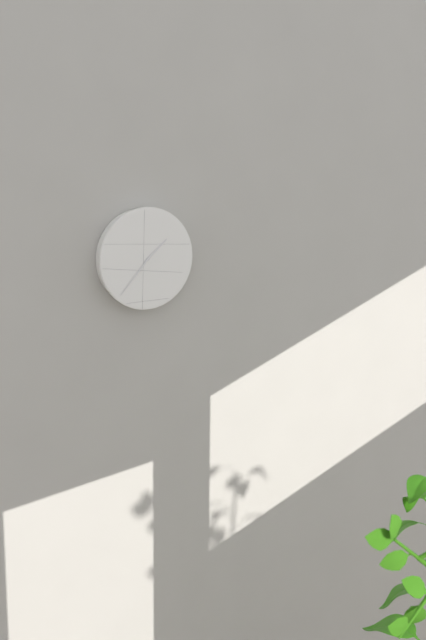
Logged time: {"hour": 1, "minute": 37}
